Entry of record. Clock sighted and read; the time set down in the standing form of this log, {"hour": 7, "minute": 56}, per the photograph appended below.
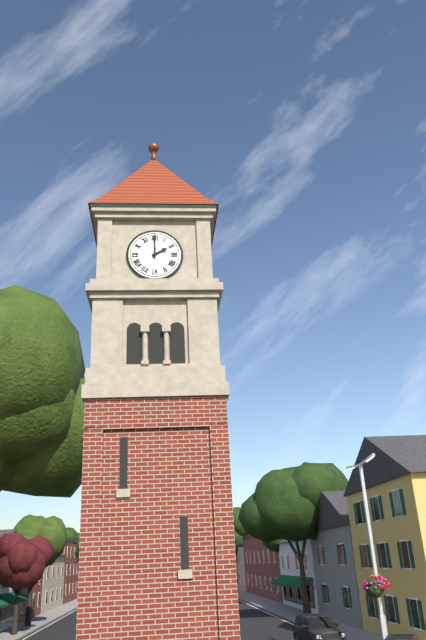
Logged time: {"hour": 2, "minute": 0}
